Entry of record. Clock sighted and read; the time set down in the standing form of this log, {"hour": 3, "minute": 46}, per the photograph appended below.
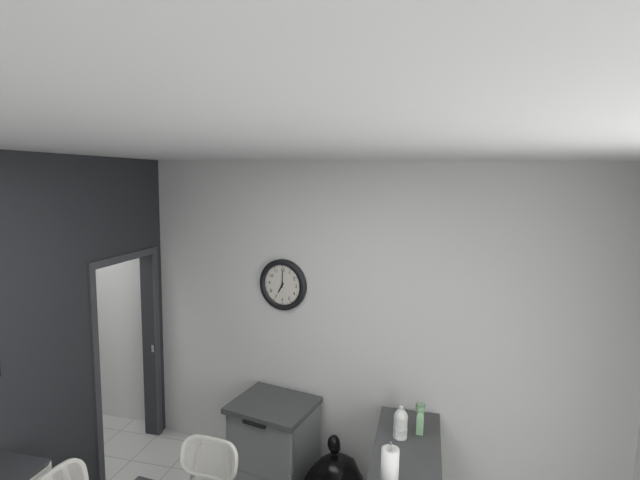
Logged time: {"hour": 7, "minute": 0}
